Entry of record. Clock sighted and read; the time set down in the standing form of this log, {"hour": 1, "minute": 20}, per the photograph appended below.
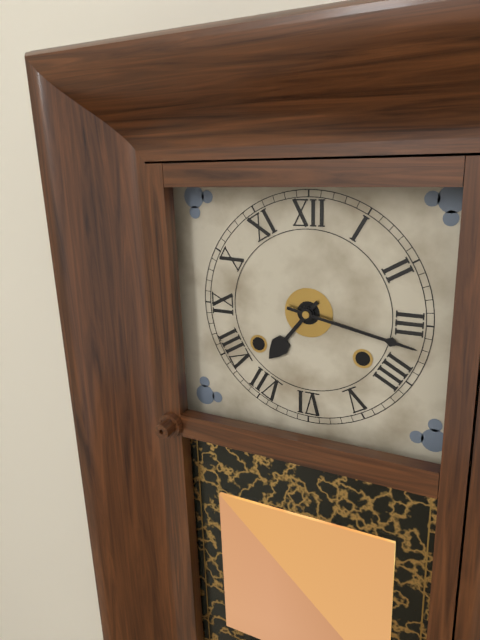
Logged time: {"hour": 7, "minute": 17}
